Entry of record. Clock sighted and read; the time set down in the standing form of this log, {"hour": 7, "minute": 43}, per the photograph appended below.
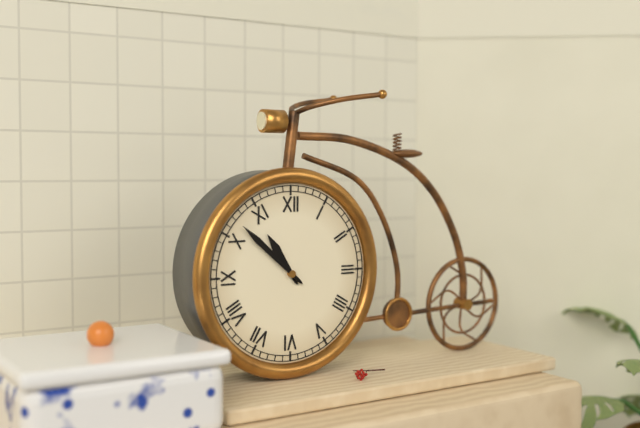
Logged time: {"hour": 10, "minute": 52}
